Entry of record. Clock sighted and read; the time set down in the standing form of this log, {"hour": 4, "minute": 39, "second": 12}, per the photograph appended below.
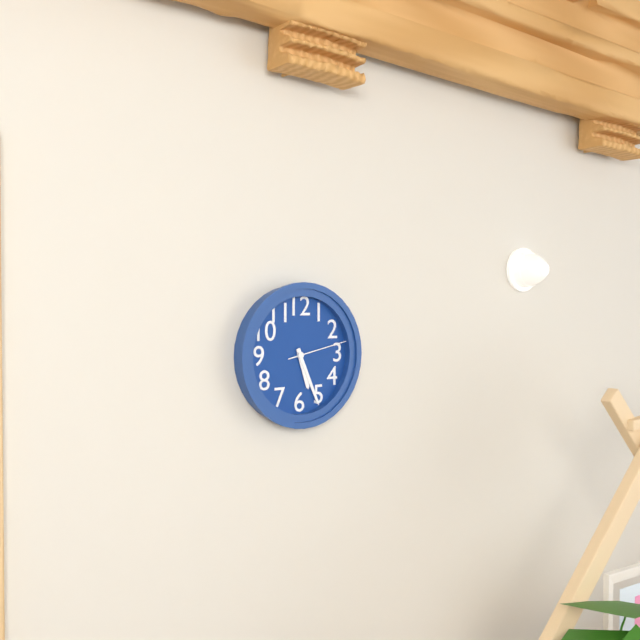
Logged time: {"hour": 5, "minute": 26, "second": 13}
